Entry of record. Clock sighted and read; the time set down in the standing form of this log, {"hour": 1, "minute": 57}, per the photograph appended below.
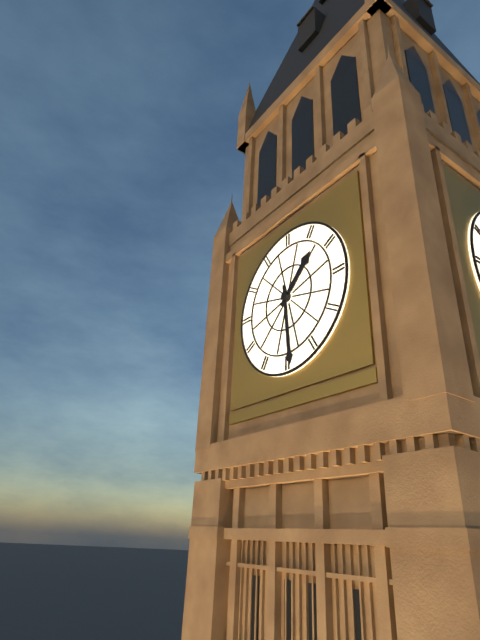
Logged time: {"hour": 1, "minute": 29}
